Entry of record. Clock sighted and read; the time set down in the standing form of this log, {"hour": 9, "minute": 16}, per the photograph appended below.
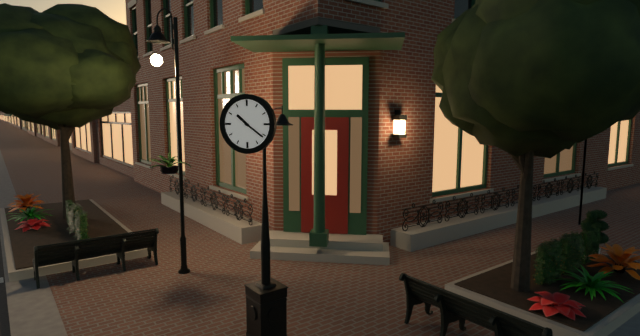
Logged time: {"hour": 10, "minute": 21}
